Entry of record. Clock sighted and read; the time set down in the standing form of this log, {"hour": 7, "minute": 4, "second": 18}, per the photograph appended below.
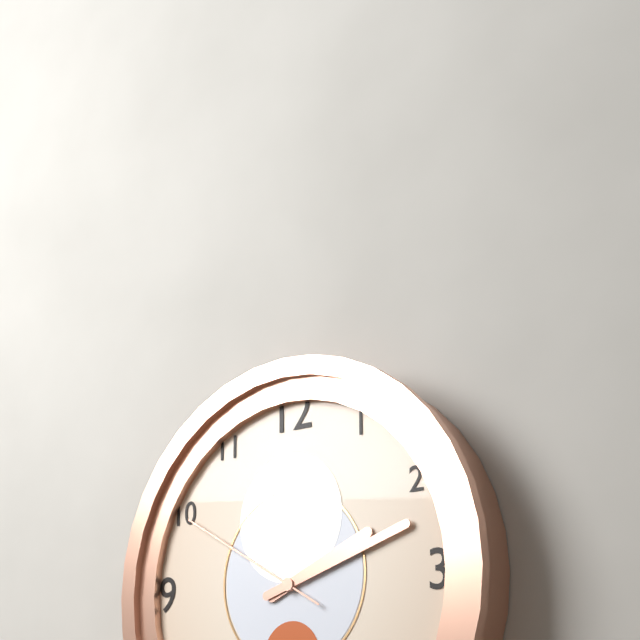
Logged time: {"hour": 2, "minute": 12, "second": 50}
